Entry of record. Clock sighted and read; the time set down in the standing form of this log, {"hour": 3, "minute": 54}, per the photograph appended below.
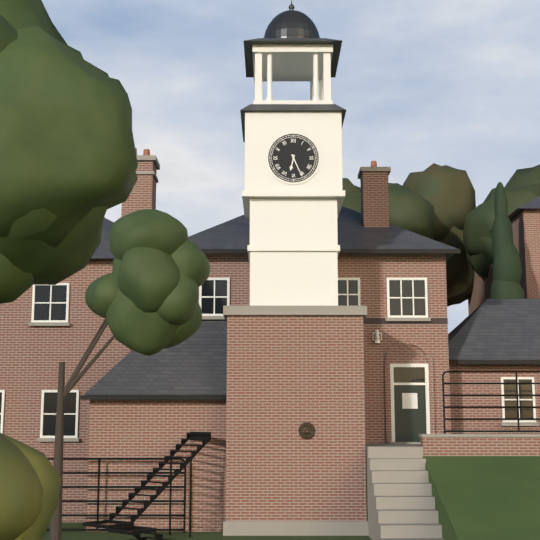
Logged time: {"hour": 6, "minute": 26}
